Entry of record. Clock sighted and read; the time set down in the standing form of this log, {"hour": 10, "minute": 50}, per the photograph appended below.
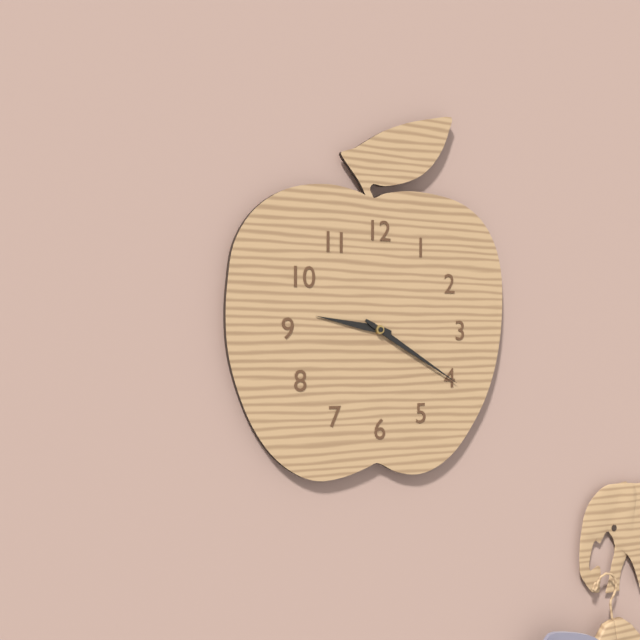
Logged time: {"hour": 9, "minute": 20}
